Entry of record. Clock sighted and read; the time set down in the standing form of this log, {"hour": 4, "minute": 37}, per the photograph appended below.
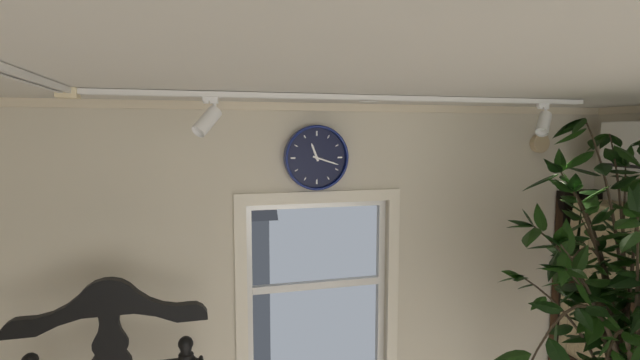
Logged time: {"hour": 11, "minute": 18}
